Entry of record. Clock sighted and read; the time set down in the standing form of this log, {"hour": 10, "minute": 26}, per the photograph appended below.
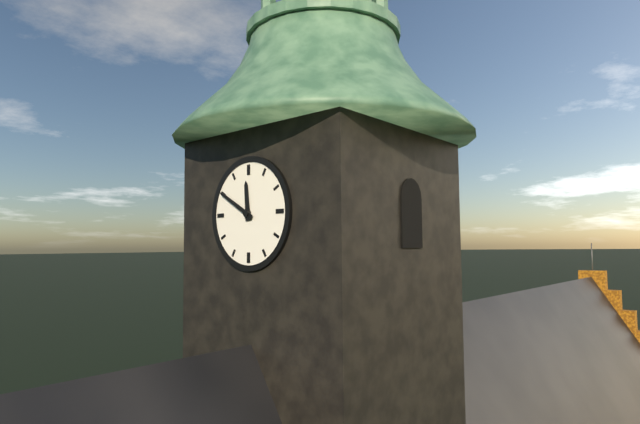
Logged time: {"hour": 11, "minute": 50}
